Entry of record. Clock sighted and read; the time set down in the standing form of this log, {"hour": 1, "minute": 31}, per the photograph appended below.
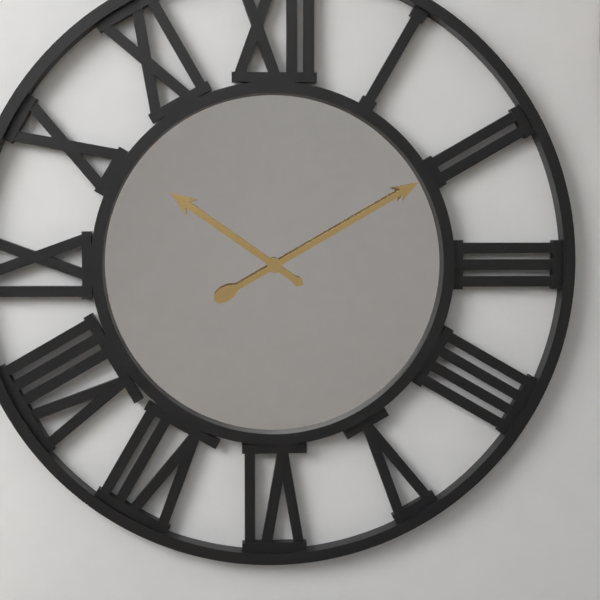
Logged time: {"hour": 10, "minute": 10}
